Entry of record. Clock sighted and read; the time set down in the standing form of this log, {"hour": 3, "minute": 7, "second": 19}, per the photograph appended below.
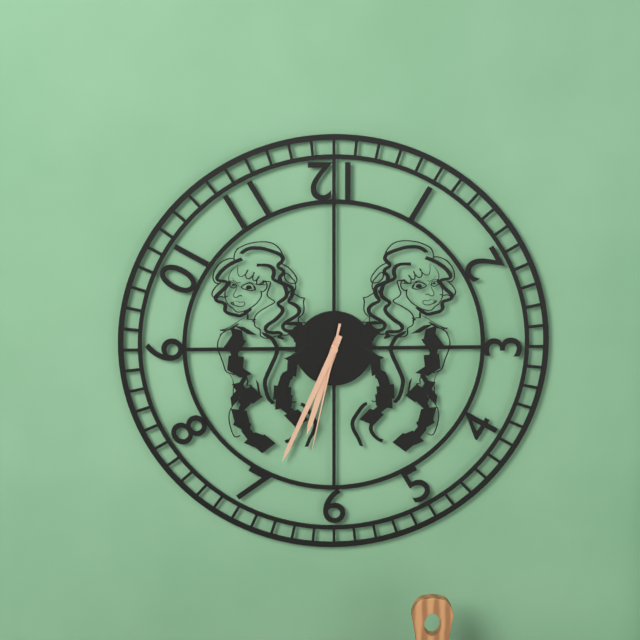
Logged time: {"hour": 6, "minute": 34, "second": 32}
